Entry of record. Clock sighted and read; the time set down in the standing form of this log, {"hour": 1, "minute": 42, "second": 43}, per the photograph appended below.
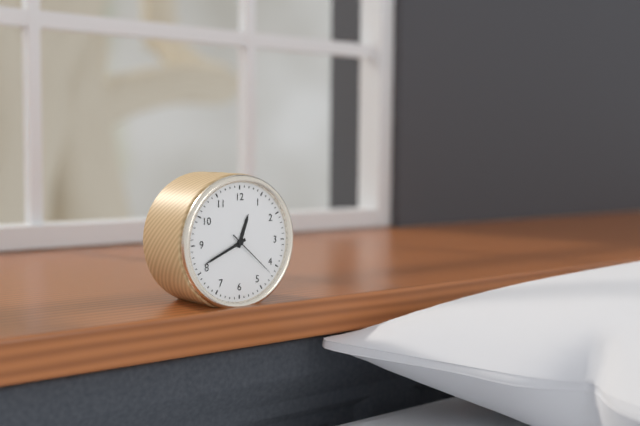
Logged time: {"hour": 12, "minute": 41, "second": 22}
